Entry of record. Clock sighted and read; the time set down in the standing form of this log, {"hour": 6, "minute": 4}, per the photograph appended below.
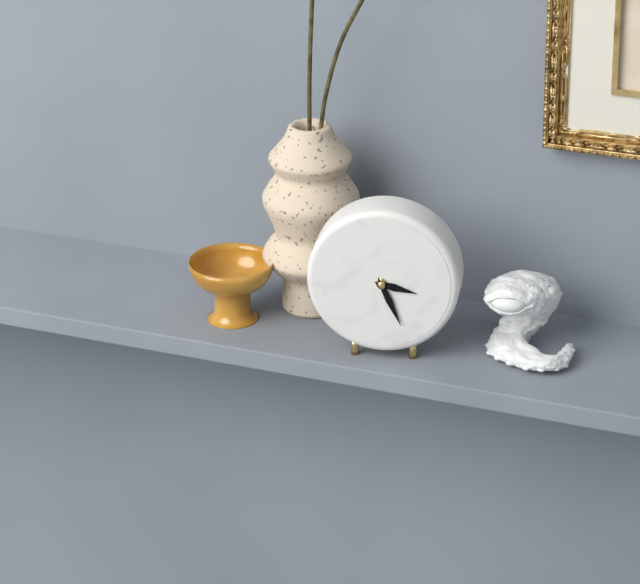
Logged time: {"hour": 3, "minute": 26}
